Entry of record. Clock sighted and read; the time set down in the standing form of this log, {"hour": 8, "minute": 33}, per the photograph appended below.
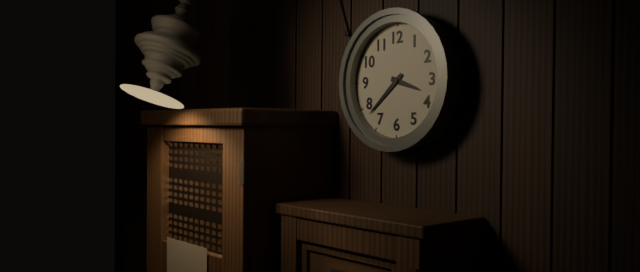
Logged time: {"hour": 3, "minute": 38}
